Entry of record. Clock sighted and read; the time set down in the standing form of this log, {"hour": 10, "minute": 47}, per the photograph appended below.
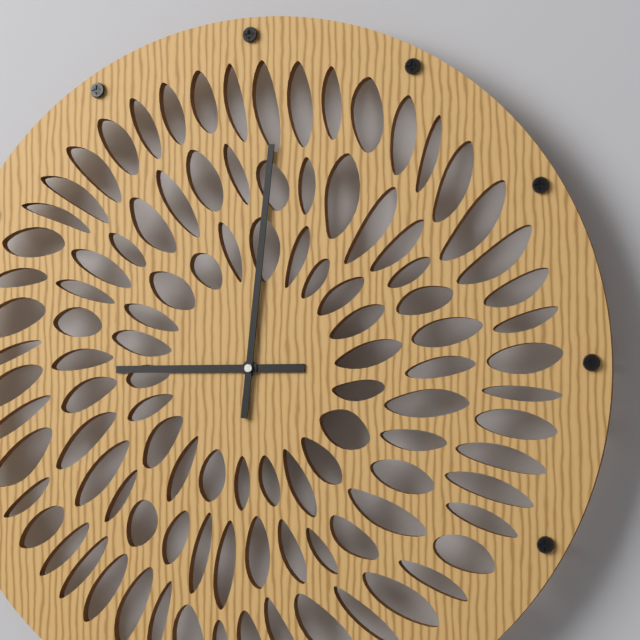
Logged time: {"hour": 9, "minute": 1}
